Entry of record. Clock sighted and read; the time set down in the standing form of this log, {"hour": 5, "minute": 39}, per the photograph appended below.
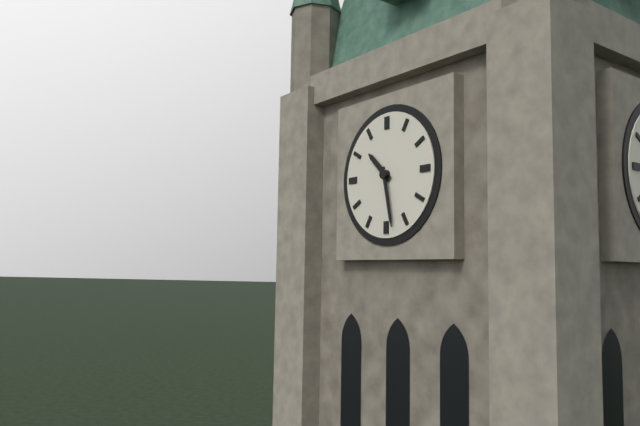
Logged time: {"hour": 10, "minute": 28}
